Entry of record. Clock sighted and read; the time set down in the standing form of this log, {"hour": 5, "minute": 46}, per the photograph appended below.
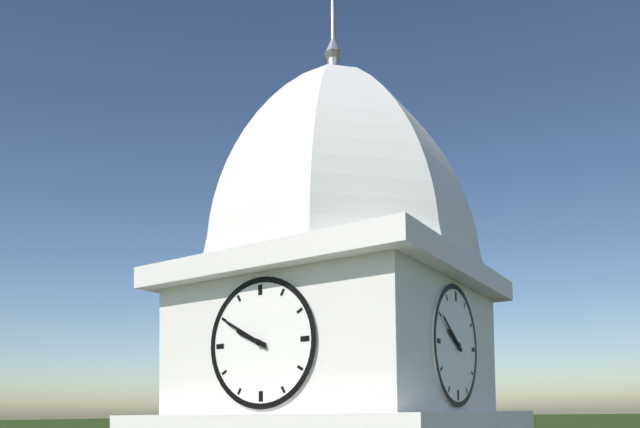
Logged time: {"hour": 9, "minute": 50}
